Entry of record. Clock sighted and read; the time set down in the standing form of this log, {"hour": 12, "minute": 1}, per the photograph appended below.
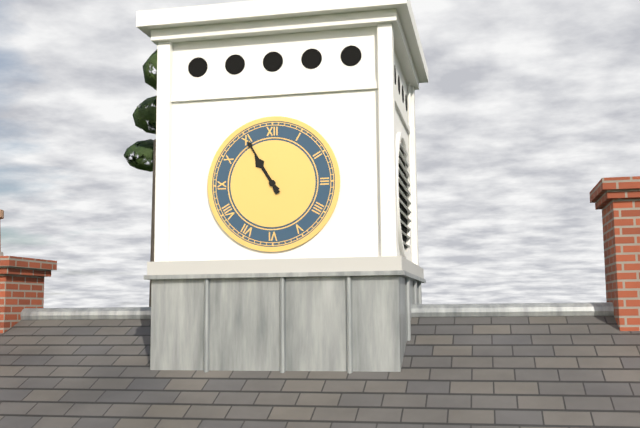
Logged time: {"hour": 10, "minute": 55}
